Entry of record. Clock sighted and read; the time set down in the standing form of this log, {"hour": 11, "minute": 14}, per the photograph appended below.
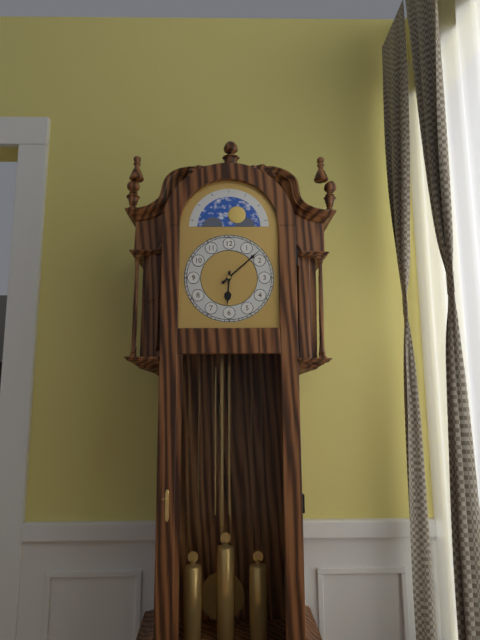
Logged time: {"hour": 6, "minute": 8}
